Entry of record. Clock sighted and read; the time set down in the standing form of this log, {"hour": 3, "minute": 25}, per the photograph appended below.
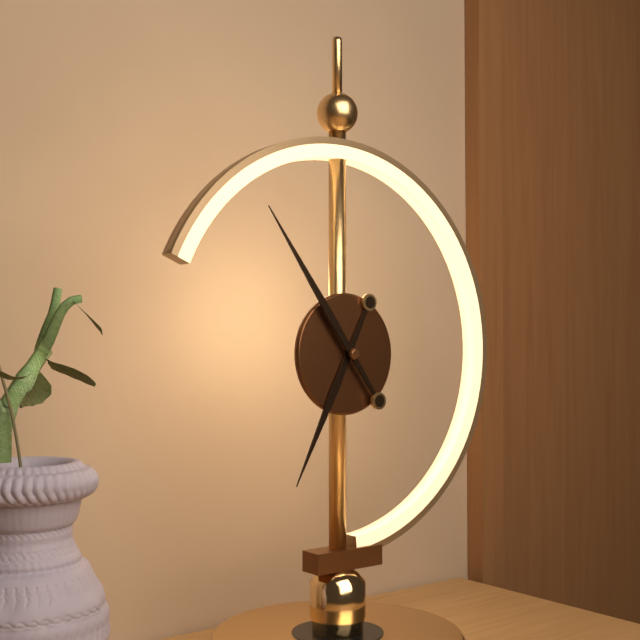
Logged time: {"hour": 6, "minute": 54}
